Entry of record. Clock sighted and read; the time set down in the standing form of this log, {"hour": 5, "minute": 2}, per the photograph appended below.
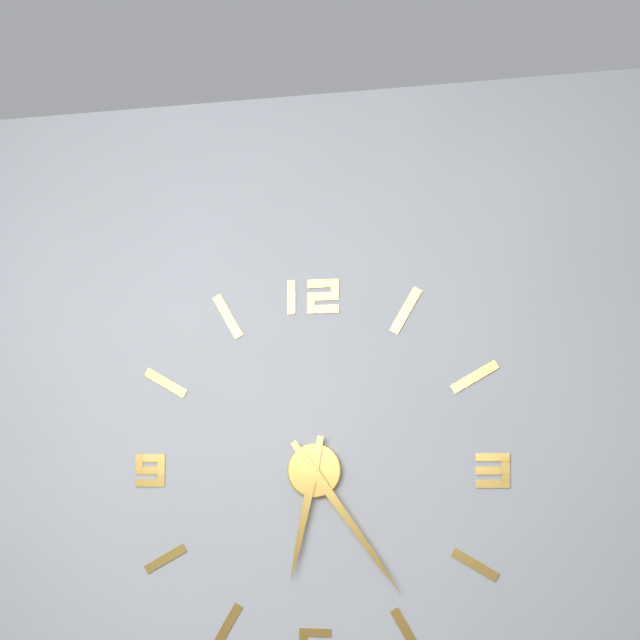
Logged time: {"hour": 6, "minute": 24}
